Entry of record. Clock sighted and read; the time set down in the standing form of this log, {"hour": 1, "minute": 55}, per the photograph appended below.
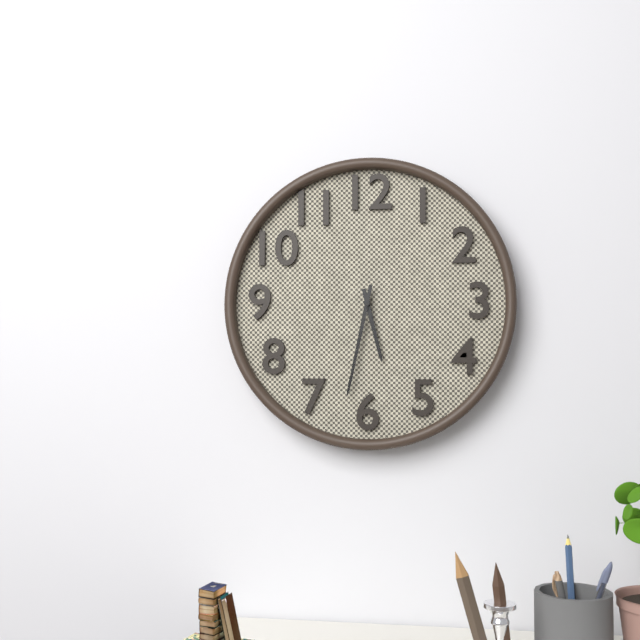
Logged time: {"hour": 5, "minute": 32}
